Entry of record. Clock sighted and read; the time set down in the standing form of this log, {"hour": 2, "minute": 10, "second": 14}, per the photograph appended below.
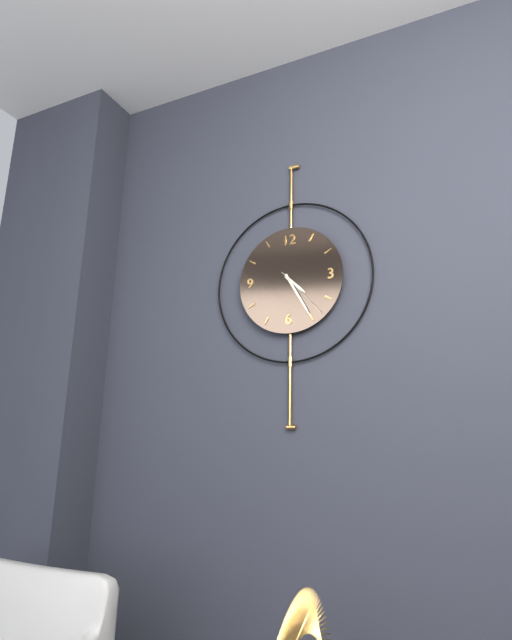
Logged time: {"hour": 4, "minute": 25, "second": 23}
